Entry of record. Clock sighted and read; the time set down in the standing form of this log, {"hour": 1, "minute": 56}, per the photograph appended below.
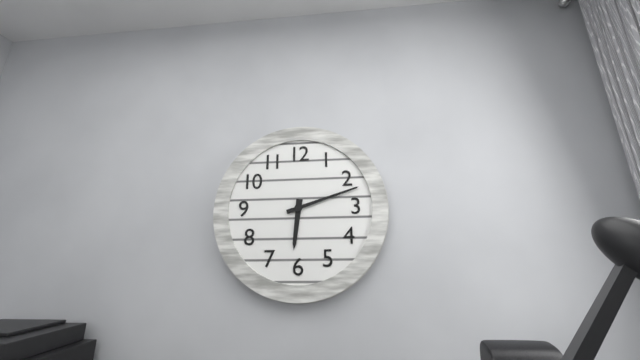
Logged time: {"hour": 6, "minute": 12}
